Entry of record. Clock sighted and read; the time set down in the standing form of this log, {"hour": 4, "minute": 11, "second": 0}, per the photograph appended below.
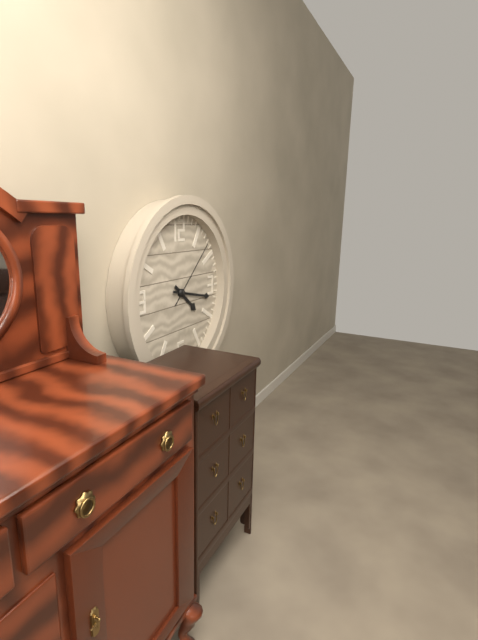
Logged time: {"hour": 4, "minute": 17, "second": 8}
